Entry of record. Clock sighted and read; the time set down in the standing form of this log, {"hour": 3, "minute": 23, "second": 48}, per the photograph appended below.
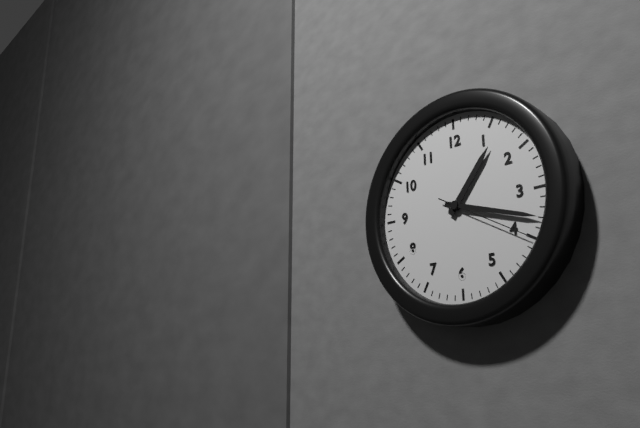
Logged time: {"hour": 1, "minute": 18, "second": 20}
